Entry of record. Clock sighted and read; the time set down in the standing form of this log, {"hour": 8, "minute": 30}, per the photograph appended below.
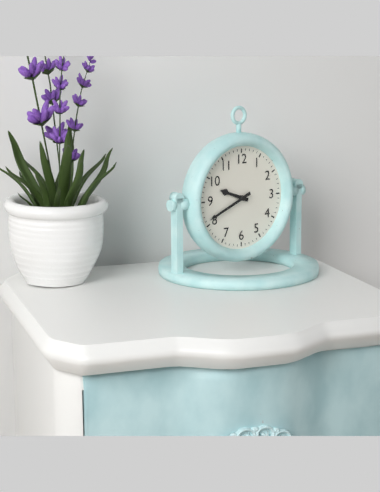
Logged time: {"hour": 9, "minute": 41}
